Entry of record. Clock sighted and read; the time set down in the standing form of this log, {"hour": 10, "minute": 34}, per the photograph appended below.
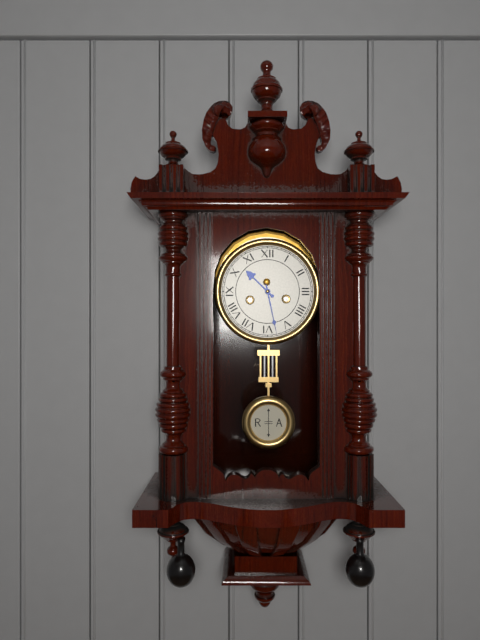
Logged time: {"hour": 10, "minute": 28}
